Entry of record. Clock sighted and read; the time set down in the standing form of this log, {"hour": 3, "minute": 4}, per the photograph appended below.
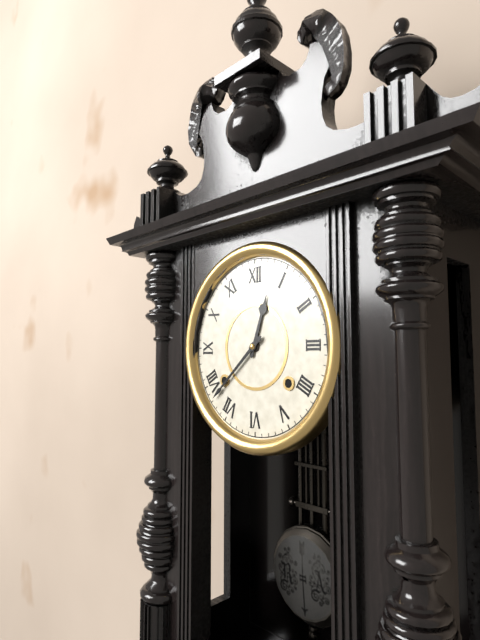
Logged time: {"hour": 12, "minute": 38}
